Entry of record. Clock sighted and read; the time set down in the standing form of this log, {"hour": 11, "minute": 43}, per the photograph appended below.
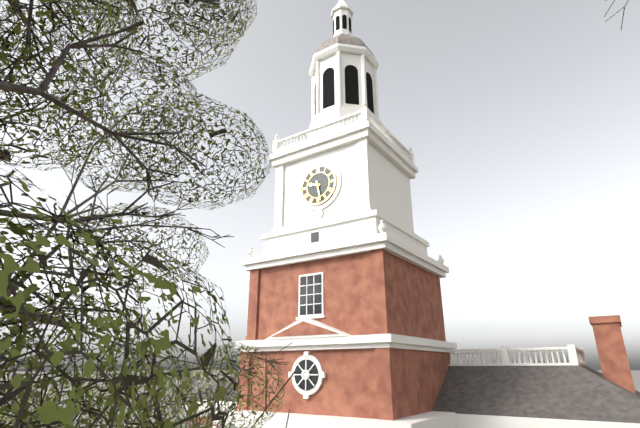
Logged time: {"hour": 9, "minute": 28}
